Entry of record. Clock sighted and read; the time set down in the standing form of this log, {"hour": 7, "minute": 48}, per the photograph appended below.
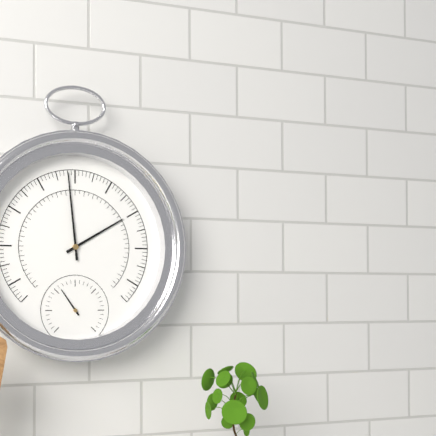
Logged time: {"hour": 1, "minute": 59}
